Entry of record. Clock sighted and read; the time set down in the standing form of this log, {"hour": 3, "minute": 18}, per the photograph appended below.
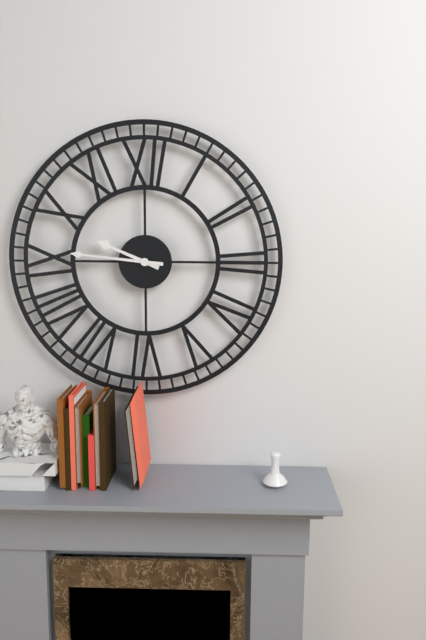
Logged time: {"hour": 9, "minute": 46}
